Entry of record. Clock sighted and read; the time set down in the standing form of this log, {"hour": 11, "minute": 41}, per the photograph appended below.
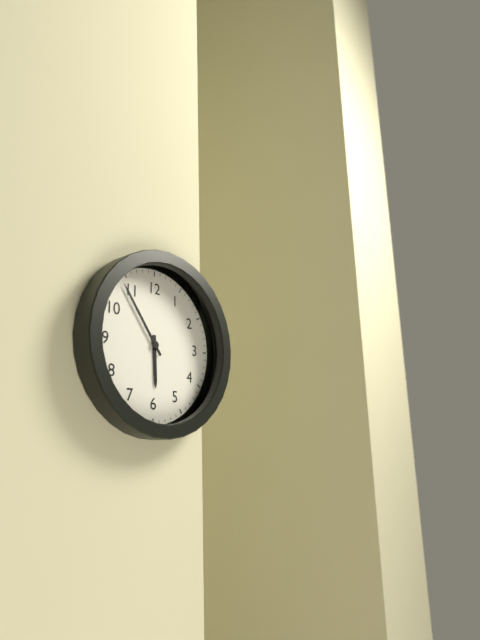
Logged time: {"hour": 5, "minute": 54}
